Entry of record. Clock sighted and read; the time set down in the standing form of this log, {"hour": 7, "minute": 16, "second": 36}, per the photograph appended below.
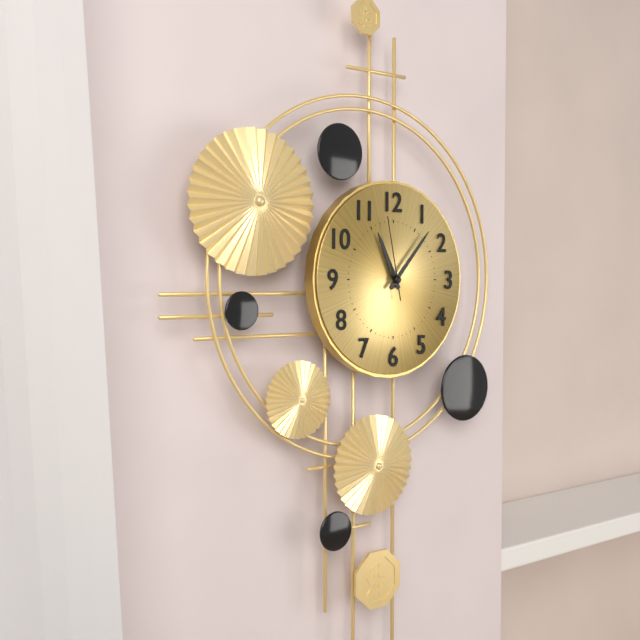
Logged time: {"hour": 11, "minute": 7, "second": 58}
